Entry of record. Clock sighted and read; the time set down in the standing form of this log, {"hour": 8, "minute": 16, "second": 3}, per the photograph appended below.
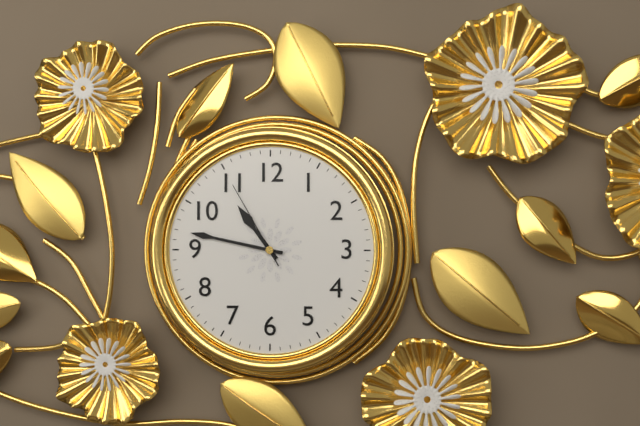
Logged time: {"hour": 10, "minute": 47, "second": 55}
